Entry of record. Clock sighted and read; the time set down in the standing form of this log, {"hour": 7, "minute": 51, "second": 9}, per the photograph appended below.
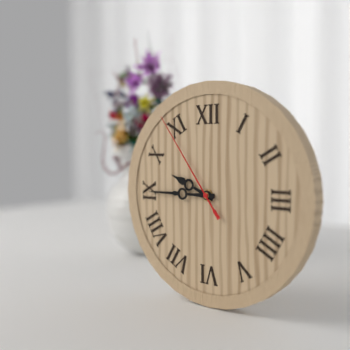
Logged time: {"hour": 9, "minute": 45, "second": 54}
